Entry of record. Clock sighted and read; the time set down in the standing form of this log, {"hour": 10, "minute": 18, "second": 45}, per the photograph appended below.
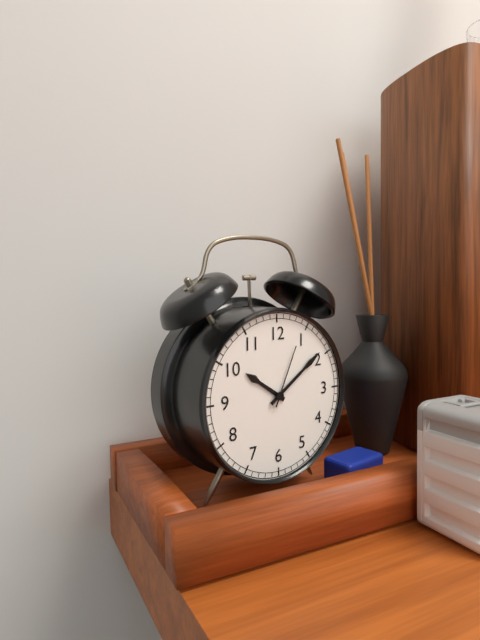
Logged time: {"hour": 10, "minute": 9, "second": 4}
